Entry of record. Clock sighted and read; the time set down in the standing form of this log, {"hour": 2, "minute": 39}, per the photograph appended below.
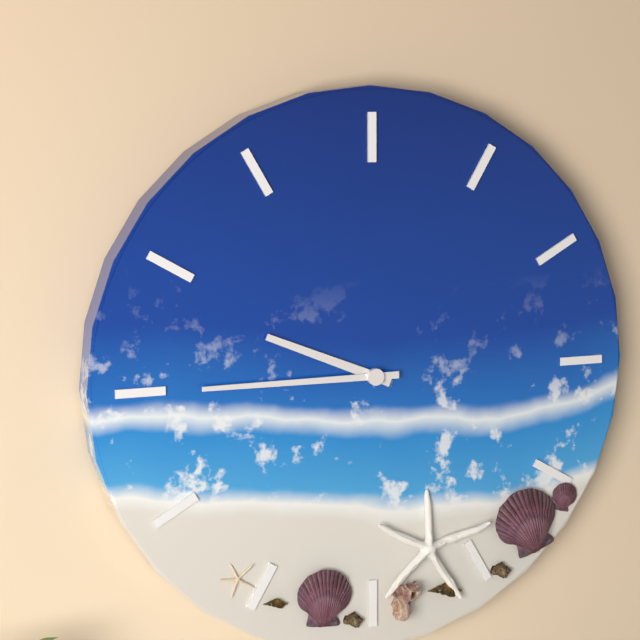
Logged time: {"hour": 9, "minute": 45}
